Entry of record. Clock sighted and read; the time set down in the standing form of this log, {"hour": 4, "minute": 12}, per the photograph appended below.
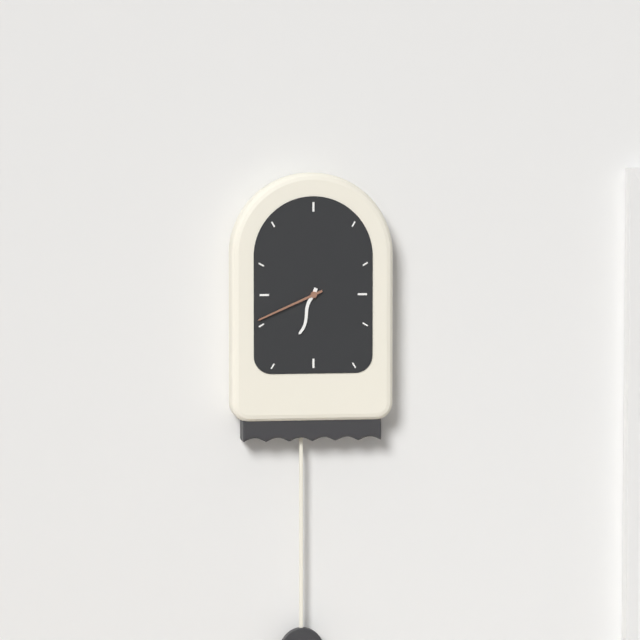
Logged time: {"hour": 6, "minute": 41}
